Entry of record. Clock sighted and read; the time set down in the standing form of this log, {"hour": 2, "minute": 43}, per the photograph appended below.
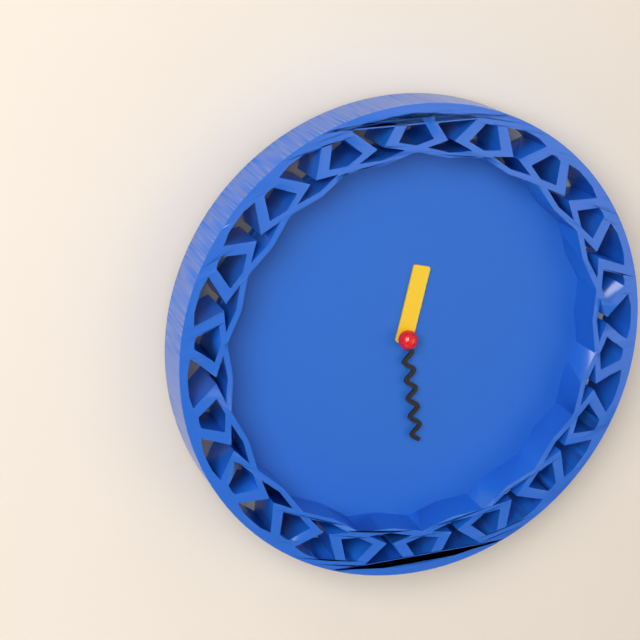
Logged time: {"hour": 12, "minute": 29}
